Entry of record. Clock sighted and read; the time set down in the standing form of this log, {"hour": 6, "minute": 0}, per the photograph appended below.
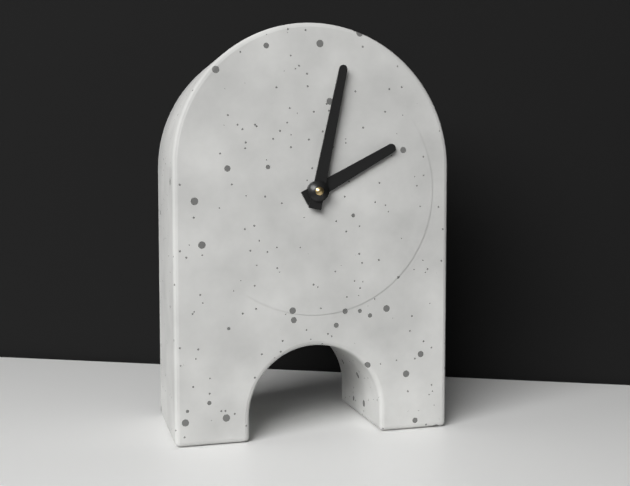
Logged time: {"hour": 2, "minute": 2}
